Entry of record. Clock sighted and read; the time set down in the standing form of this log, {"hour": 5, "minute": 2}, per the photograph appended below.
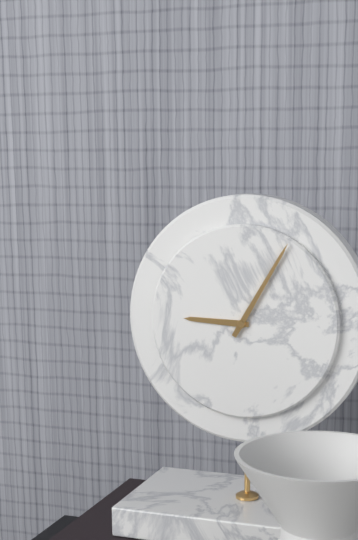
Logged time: {"hour": 9, "minute": 5}
